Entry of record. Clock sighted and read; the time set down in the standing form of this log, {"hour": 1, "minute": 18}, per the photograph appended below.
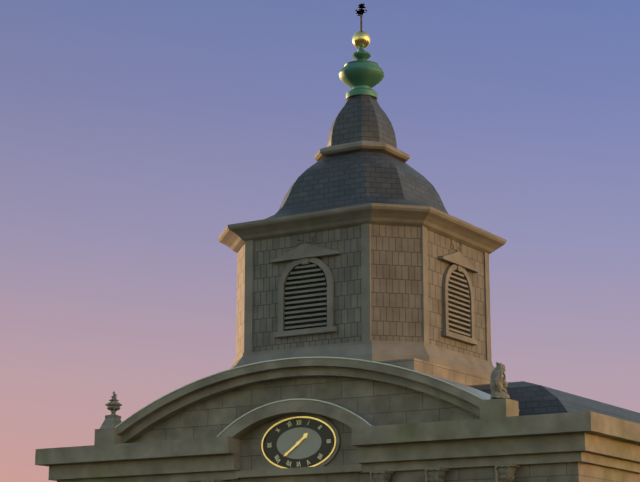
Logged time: {"hour": 1, "minute": 39}
